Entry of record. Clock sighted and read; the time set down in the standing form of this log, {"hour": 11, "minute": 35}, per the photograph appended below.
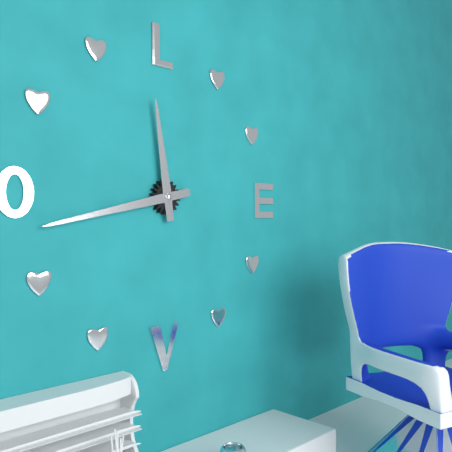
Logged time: {"hour": 11, "minute": 43}
